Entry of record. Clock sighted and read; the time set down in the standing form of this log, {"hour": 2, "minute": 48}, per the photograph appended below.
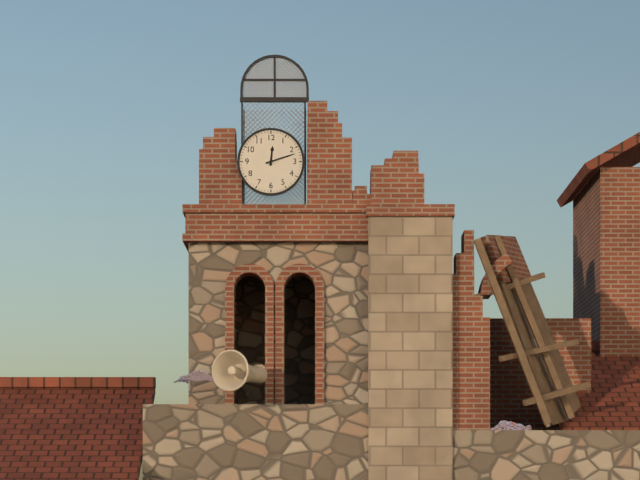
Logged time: {"hour": 12, "minute": 12}
